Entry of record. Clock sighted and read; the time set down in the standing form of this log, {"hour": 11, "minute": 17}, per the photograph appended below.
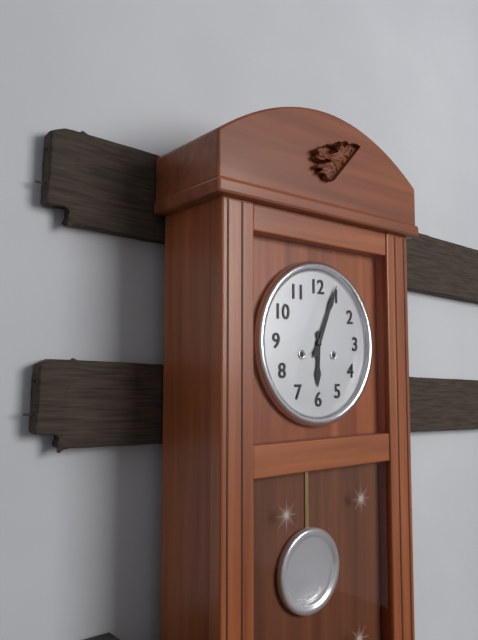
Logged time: {"hour": 6, "minute": 4}
